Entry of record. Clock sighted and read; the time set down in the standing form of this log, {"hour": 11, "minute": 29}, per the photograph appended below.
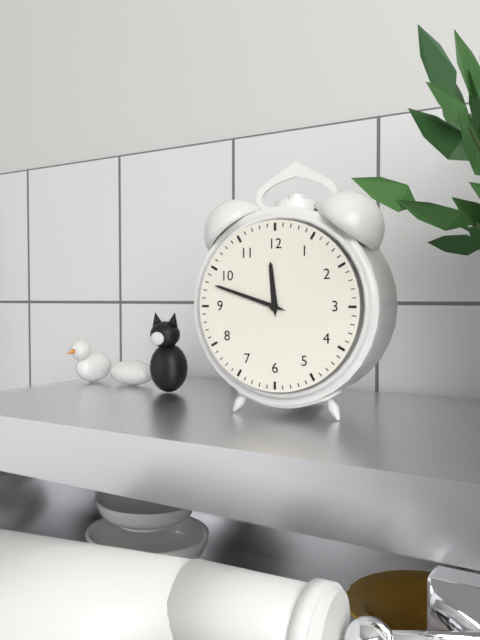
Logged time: {"hour": 11, "minute": 48}
